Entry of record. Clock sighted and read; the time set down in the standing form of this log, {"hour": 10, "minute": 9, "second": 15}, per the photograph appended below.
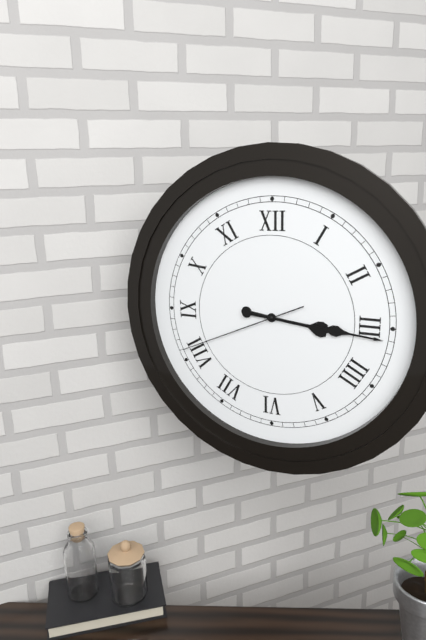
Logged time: {"hour": 3, "minute": 16, "second": 41}
